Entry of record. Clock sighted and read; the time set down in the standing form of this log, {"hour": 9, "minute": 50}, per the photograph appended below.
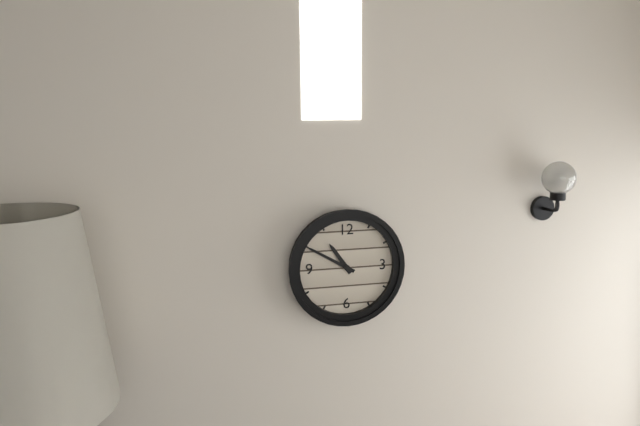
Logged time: {"hour": 10, "minute": 50}
